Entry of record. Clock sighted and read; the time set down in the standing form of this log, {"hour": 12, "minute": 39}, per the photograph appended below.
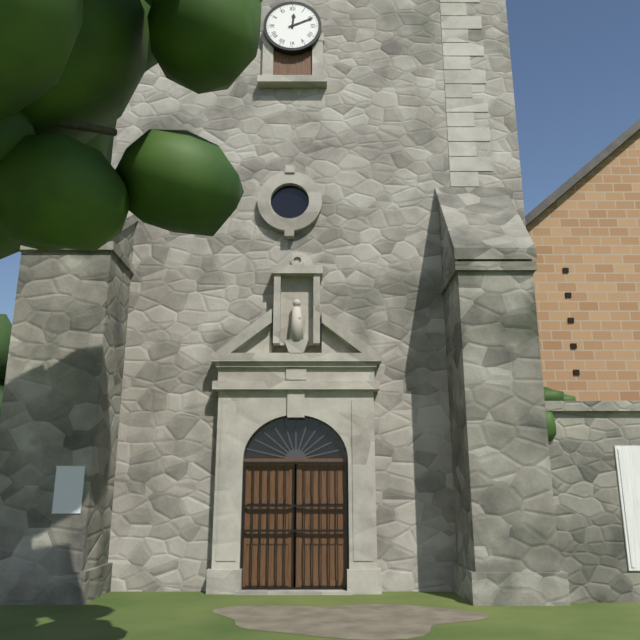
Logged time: {"hour": 12, "minute": 11}
